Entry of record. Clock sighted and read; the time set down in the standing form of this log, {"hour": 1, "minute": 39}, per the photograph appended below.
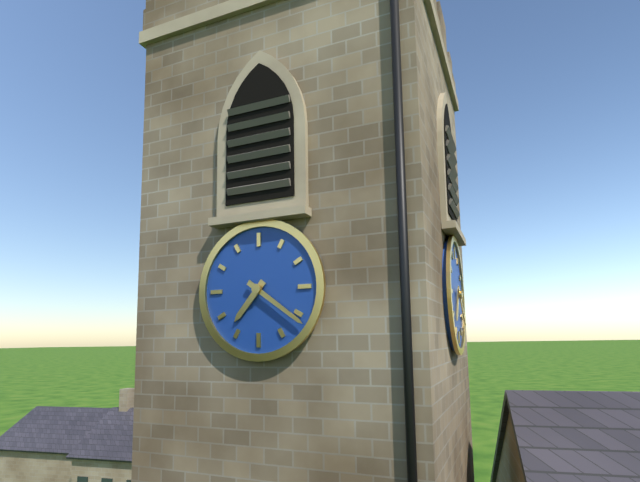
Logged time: {"hour": 7, "minute": 21}
